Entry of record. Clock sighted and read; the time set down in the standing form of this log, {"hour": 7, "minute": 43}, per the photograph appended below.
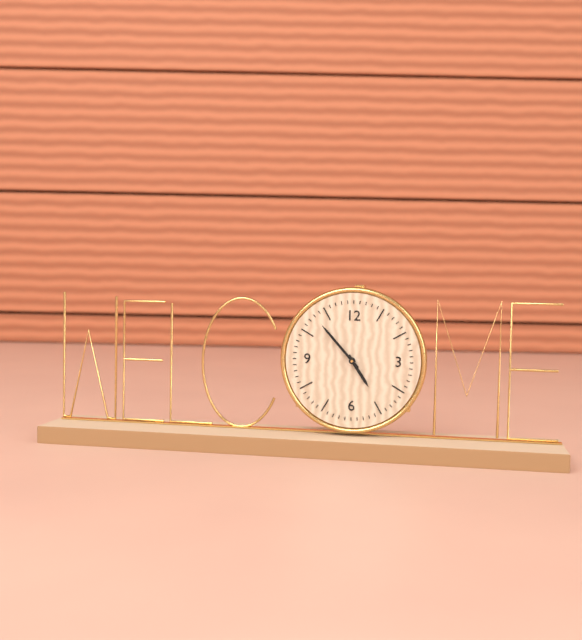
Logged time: {"hour": 4, "minute": 53}
